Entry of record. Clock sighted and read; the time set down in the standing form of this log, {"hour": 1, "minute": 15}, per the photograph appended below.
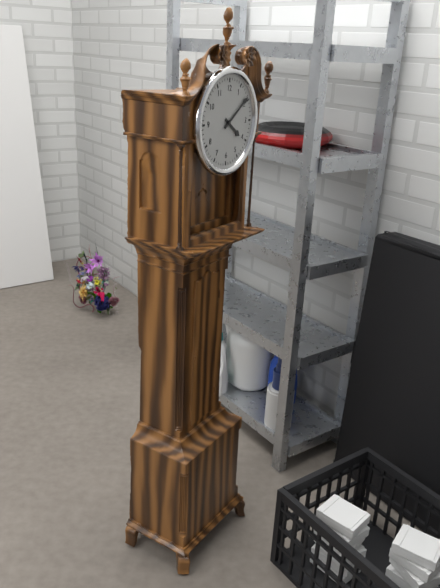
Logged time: {"hour": 4, "minute": 9}
